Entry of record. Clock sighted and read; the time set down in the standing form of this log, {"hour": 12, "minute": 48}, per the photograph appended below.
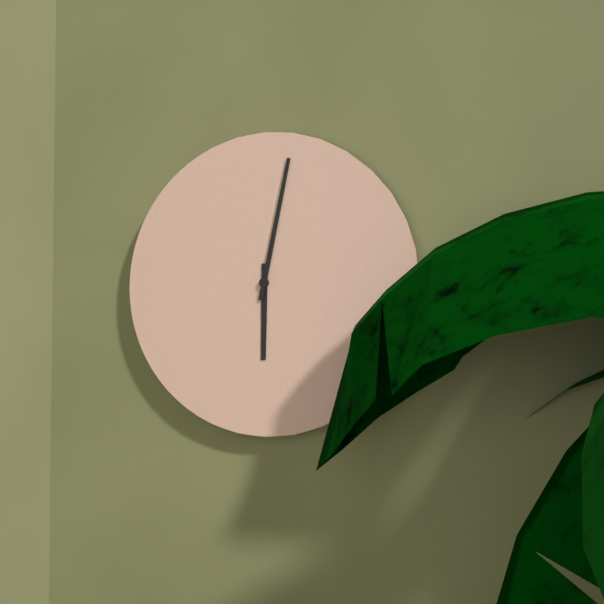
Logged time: {"hour": 6, "minute": 2}
